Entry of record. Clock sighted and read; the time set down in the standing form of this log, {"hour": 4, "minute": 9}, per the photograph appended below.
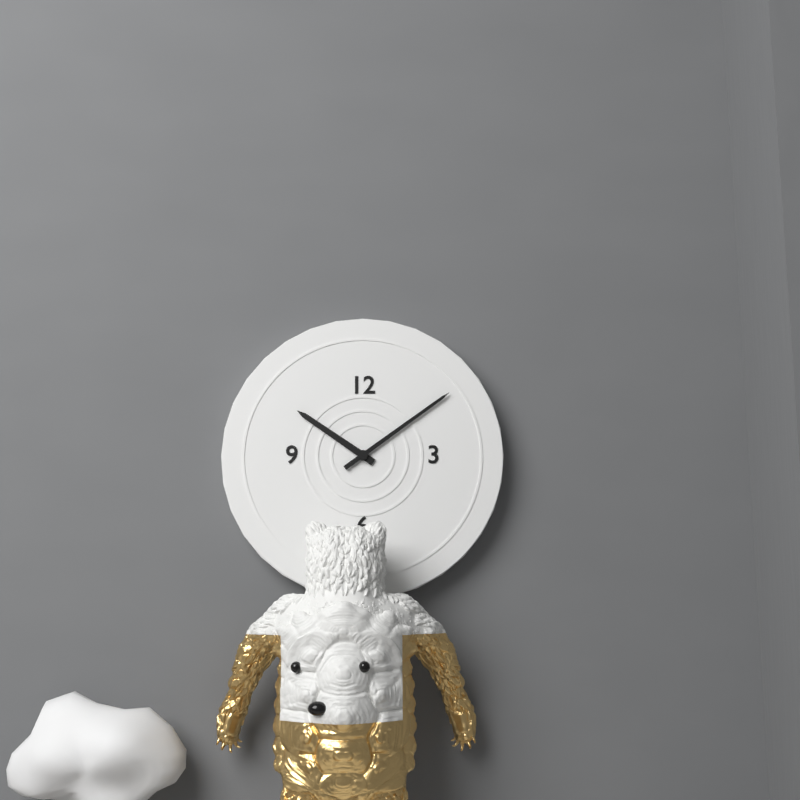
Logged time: {"hour": 10, "minute": 9}
